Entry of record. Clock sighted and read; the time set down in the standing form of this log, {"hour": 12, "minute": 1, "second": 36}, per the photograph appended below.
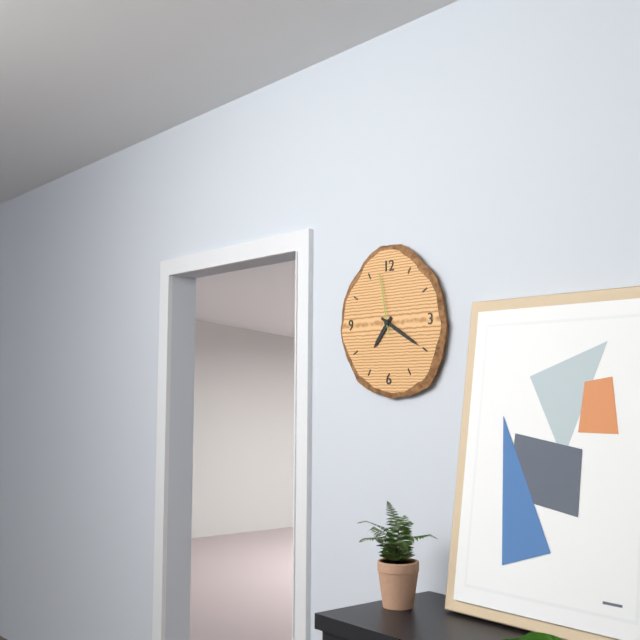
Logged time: {"hour": 7, "minute": 20, "second": 58}
